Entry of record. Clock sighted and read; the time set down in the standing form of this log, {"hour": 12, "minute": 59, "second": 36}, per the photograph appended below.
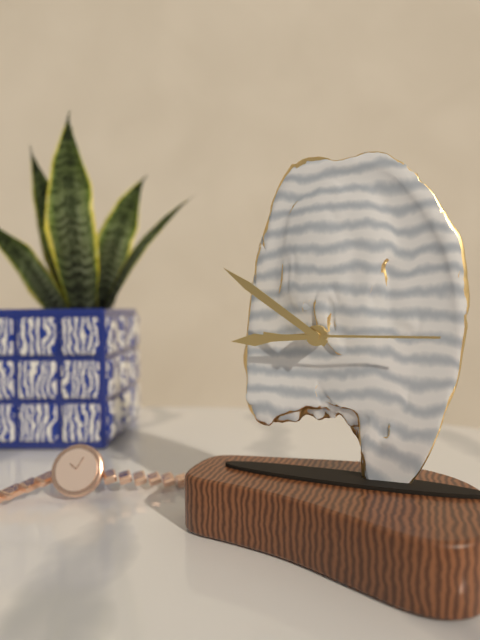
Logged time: {"hour": 8, "minute": 51, "second": 15}
